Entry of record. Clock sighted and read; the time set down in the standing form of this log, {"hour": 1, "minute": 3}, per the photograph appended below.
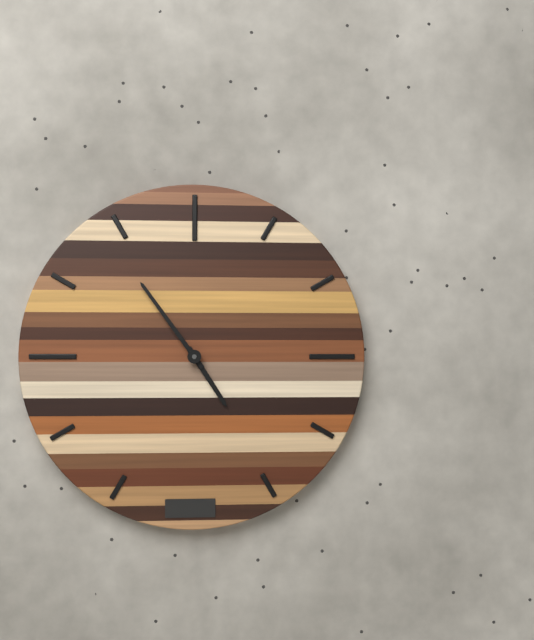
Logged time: {"hour": 4, "minute": 54}
